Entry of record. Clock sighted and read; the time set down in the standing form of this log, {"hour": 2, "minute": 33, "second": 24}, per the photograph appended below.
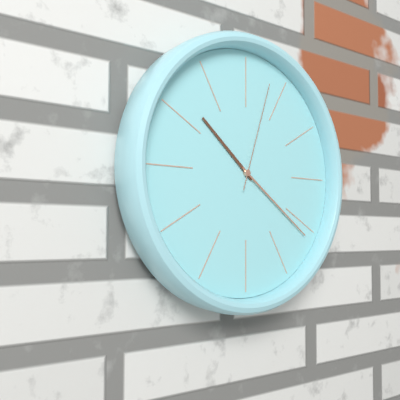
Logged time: {"hour": 10, "minute": 21, "second": 3}
